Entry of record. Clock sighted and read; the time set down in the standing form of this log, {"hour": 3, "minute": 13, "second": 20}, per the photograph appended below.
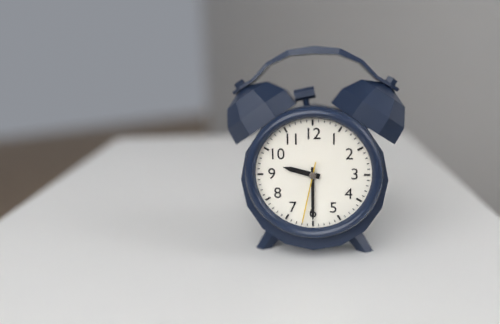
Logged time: {"hour": 9, "minute": 30, "second": 32}
